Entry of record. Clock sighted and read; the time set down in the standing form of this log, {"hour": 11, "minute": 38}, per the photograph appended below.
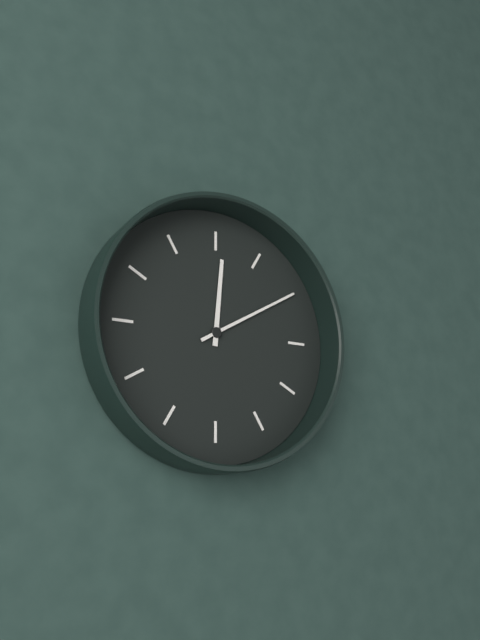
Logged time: {"hour": 12, "minute": 10}
